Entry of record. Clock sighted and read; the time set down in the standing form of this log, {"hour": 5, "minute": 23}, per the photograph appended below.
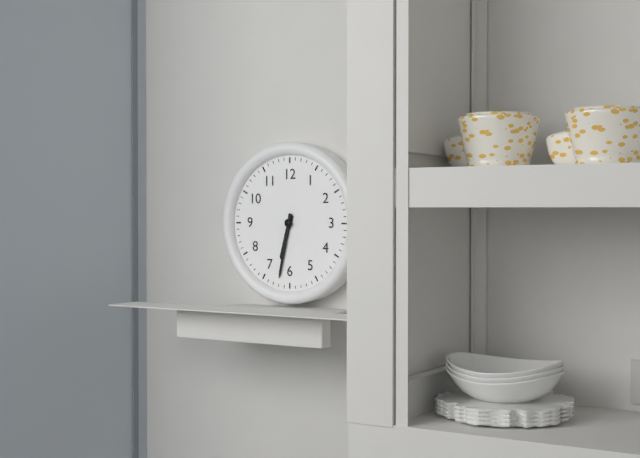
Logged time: {"hour": 6, "minute": 32}
